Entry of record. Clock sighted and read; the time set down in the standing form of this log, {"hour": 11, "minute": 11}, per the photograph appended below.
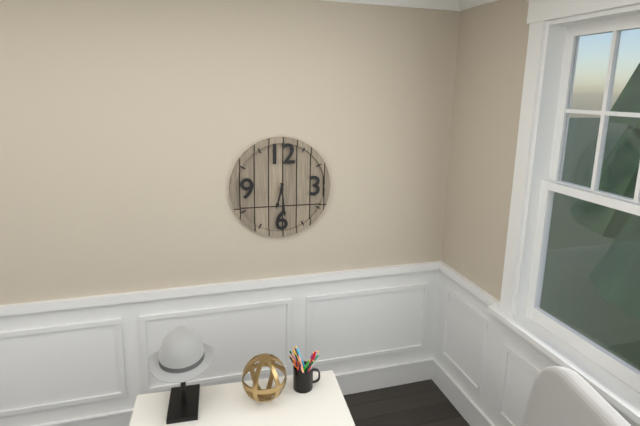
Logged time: {"hour": 6, "minute": 29}
